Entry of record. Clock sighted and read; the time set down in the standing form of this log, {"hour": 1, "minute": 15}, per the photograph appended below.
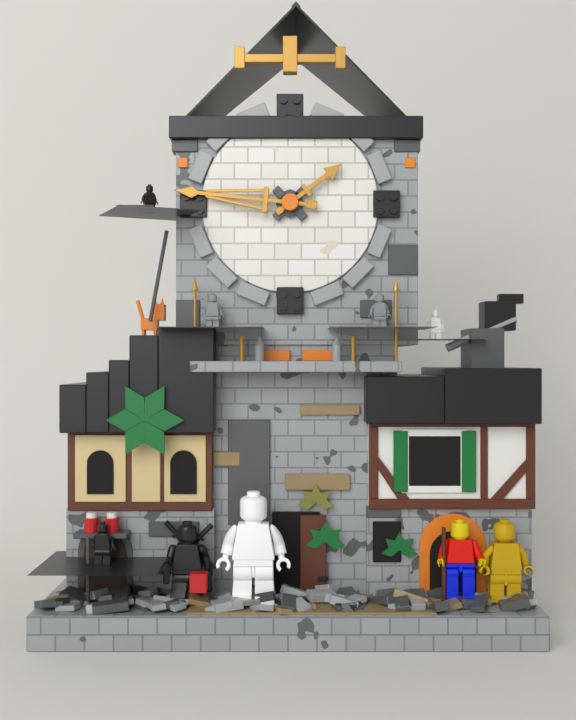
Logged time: {"hour": 1, "minute": 46}
